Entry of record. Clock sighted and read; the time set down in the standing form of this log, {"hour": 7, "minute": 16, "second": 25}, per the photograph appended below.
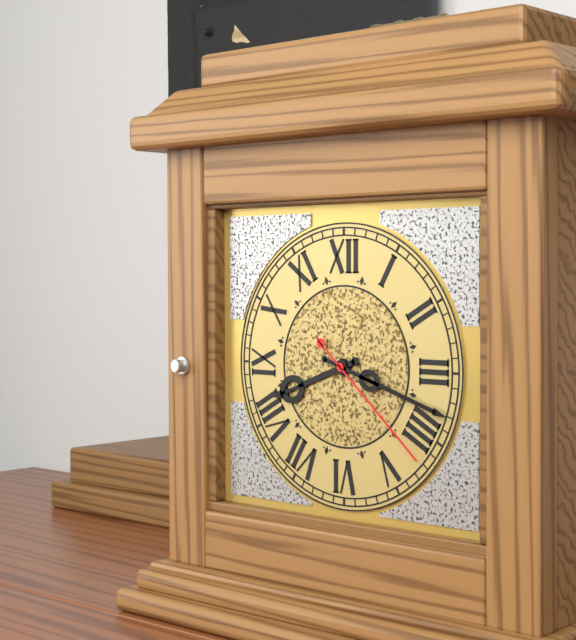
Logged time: {"hour": 8, "minute": 18, "second": 22}
